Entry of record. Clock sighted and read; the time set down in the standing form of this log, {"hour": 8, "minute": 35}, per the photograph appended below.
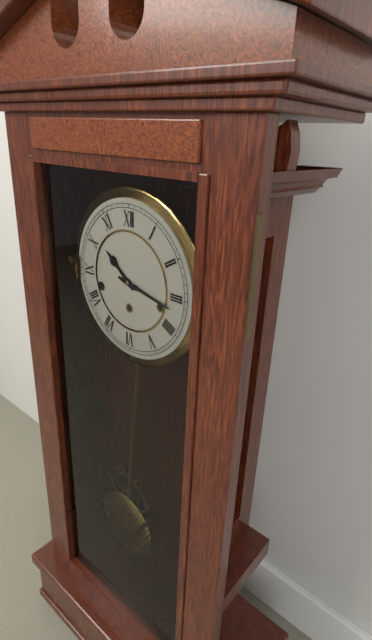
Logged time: {"hour": 10, "minute": 17}
